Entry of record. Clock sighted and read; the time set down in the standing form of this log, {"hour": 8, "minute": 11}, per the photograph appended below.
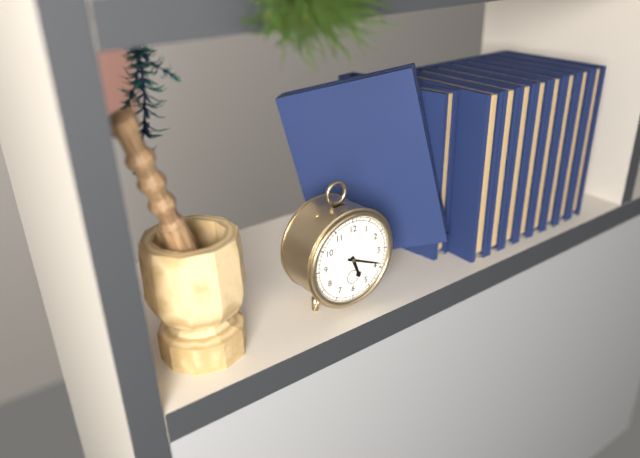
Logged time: {"hour": 5, "minute": 19}
